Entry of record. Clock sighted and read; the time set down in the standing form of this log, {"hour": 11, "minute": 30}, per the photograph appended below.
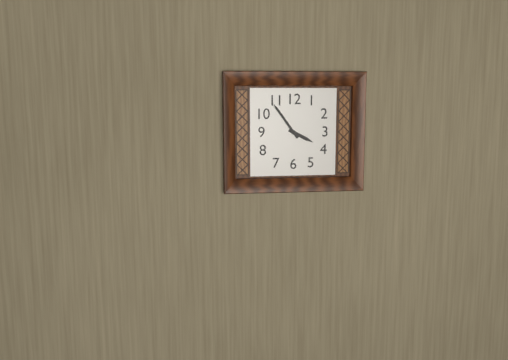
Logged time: {"hour": 3, "minute": 54}
